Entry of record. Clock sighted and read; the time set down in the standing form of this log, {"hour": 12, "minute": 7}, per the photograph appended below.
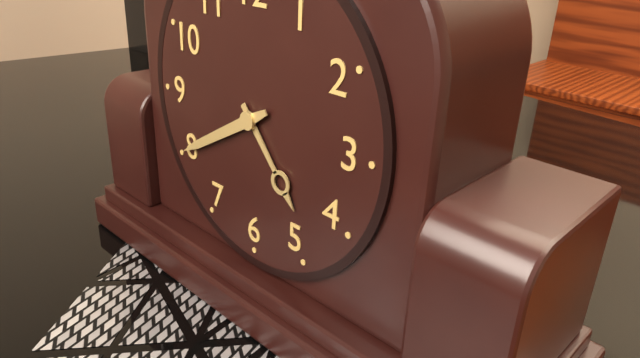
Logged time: {"hour": 4, "minute": 40}
